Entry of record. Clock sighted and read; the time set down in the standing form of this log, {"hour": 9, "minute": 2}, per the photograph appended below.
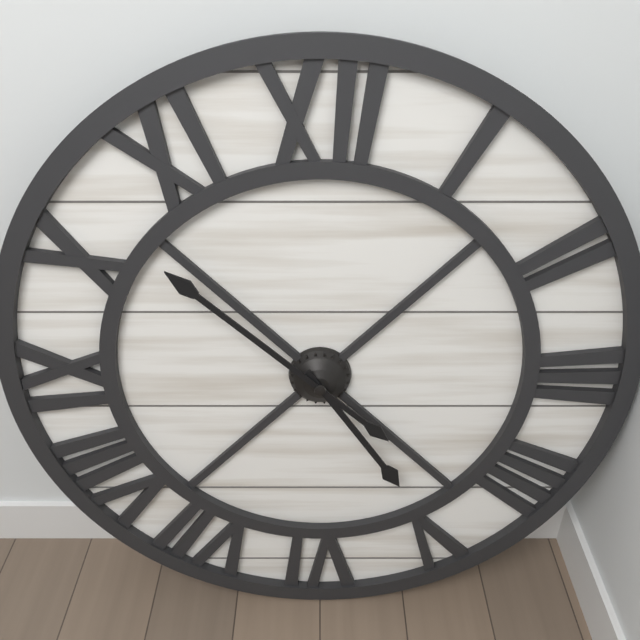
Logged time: {"hour": 4, "minute": 52}
